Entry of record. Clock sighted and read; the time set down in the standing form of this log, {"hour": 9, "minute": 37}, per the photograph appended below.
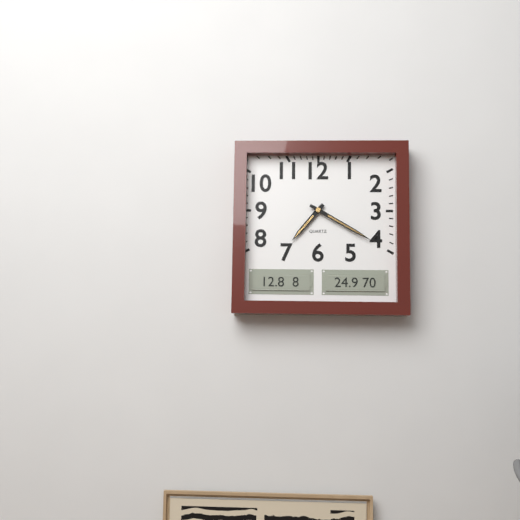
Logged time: {"hour": 7, "minute": 20}
